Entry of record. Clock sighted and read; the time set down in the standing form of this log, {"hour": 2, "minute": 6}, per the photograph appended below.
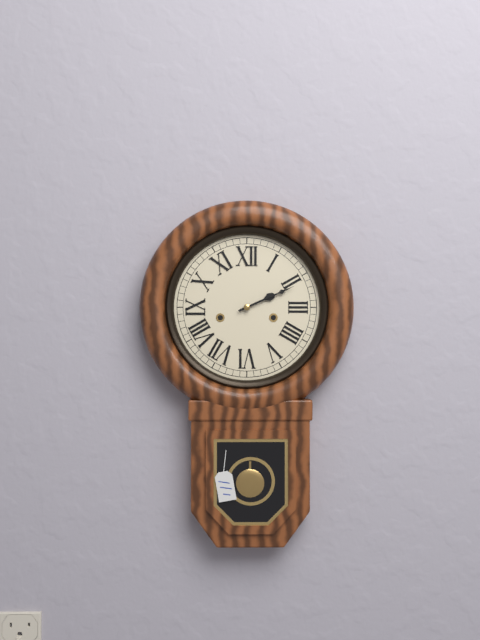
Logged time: {"hour": 2, "minute": 11}
